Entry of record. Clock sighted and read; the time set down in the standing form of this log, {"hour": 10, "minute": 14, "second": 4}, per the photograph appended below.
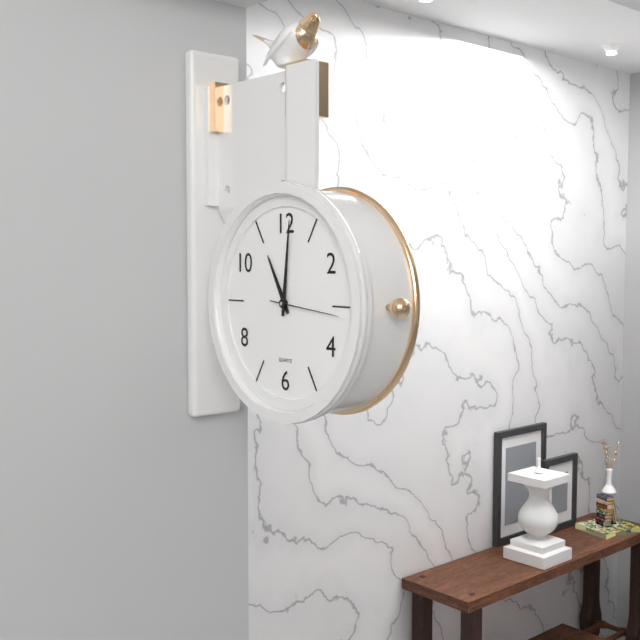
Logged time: {"hour": 11, "minute": 1, "second": 16}
